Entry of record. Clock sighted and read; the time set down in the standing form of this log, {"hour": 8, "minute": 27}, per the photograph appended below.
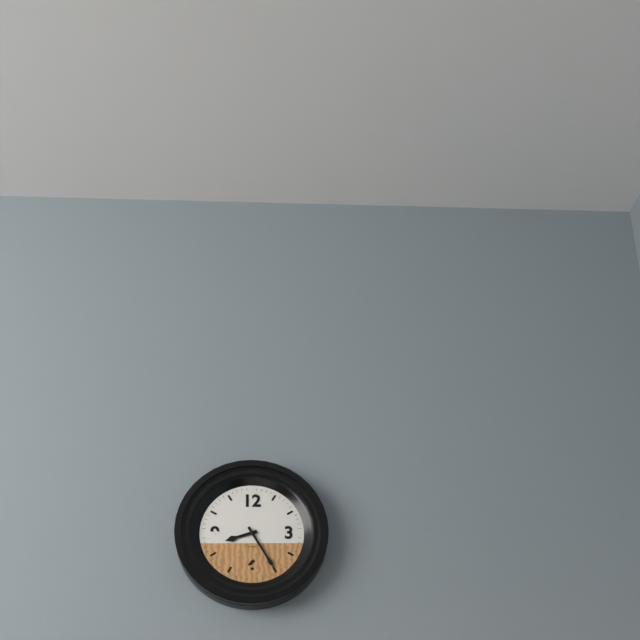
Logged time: {"hour": 8, "minute": 25}
